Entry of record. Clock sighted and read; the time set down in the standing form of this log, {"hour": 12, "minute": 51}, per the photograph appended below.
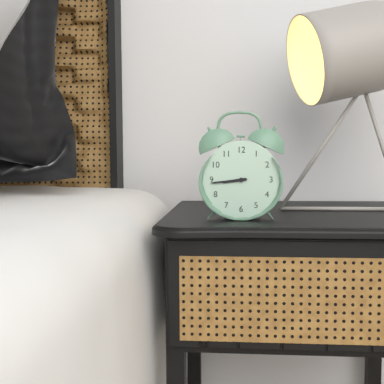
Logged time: {"hour": 8, "minute": 44}
